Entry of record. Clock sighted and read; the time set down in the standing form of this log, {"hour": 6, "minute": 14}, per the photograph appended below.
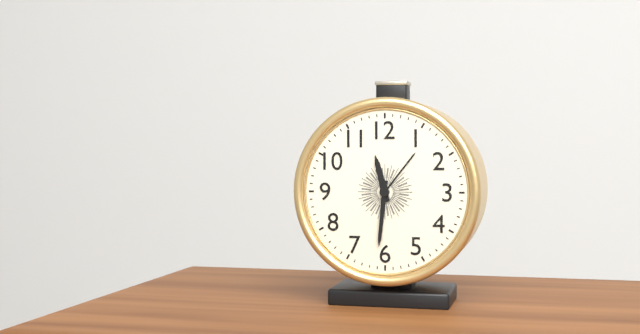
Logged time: {"hour": 11, "minute": 31}
